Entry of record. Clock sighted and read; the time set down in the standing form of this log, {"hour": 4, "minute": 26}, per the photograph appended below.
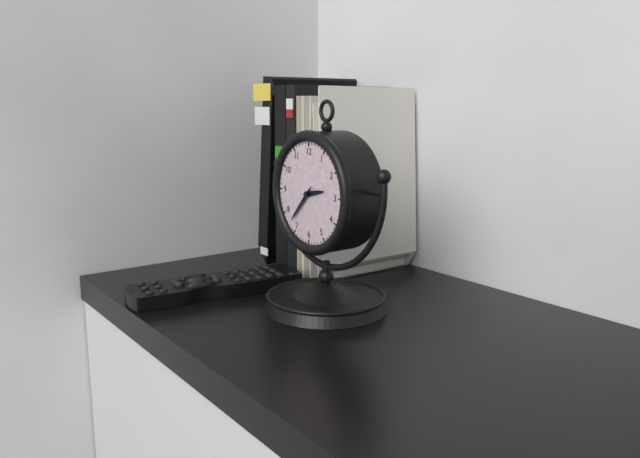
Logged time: {"hour": 2, "minute": 37}
